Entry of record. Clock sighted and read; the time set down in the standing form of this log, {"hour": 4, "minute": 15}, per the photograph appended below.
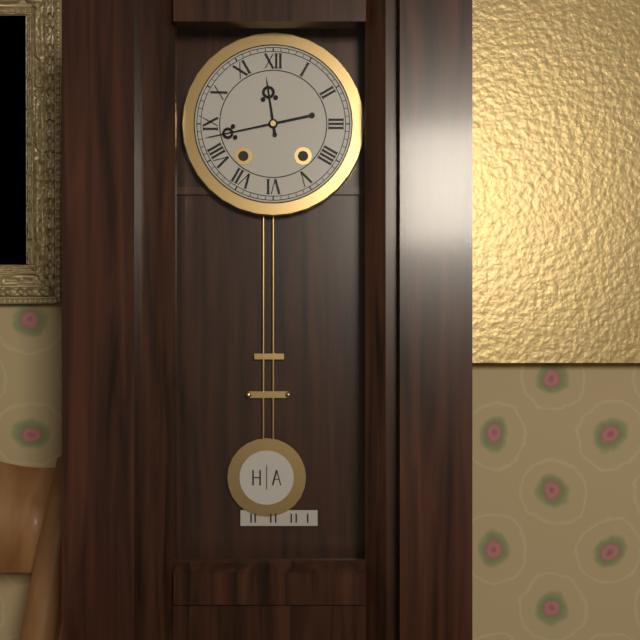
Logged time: {"hour": 11, "minute": 43}
